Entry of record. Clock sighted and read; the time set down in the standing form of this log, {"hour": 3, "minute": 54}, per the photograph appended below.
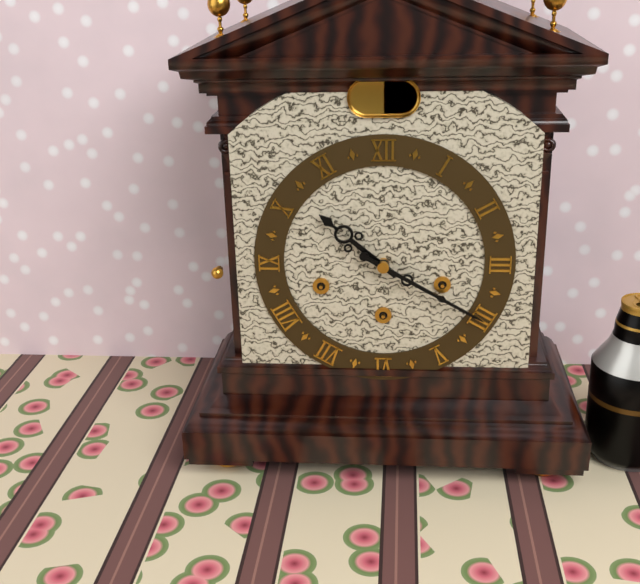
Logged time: {"hour": 10, "minute": 20}
